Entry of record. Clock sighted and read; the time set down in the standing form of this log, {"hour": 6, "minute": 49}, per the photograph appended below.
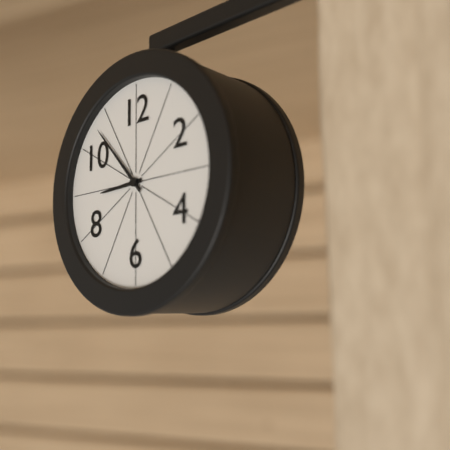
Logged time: {"hour": 8, "minute": 53}
